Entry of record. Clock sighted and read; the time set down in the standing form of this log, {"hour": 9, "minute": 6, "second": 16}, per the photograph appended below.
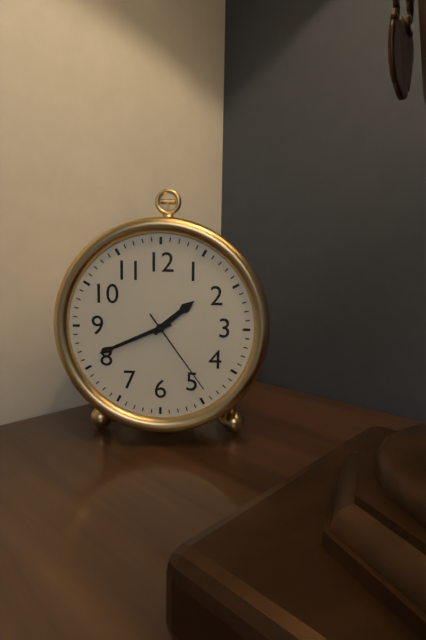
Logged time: {"hour": 1, "minute": 41, "second": 24}
